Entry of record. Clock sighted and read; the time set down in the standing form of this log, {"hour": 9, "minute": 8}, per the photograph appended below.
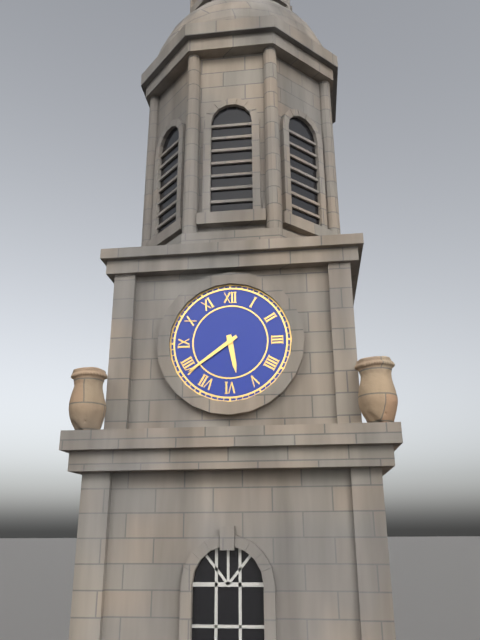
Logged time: {"hour": 5, "minute": 39}
